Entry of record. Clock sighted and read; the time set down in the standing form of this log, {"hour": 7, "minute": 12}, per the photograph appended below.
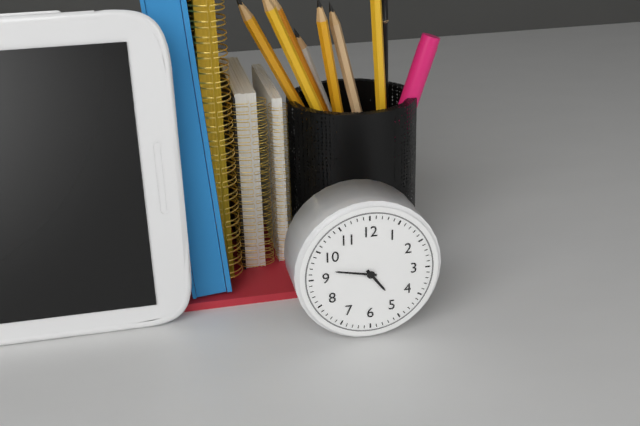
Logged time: {"hour": 4, "minute": 47}
